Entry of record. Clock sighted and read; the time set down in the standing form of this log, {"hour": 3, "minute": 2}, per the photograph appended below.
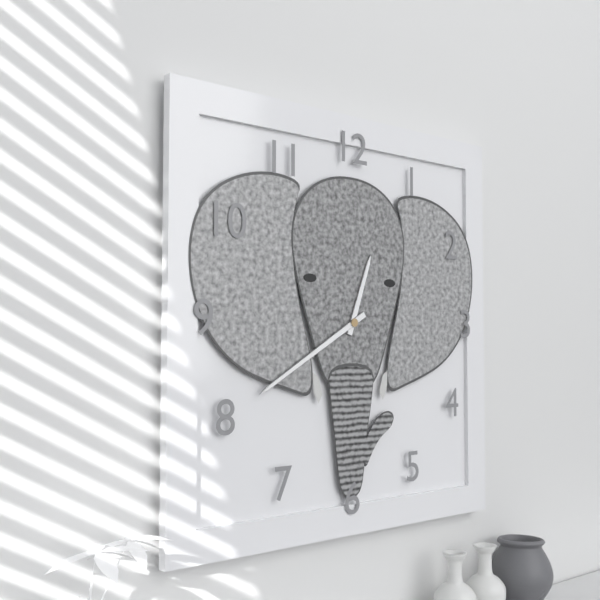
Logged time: {"hour": 12, "minute": 40}
